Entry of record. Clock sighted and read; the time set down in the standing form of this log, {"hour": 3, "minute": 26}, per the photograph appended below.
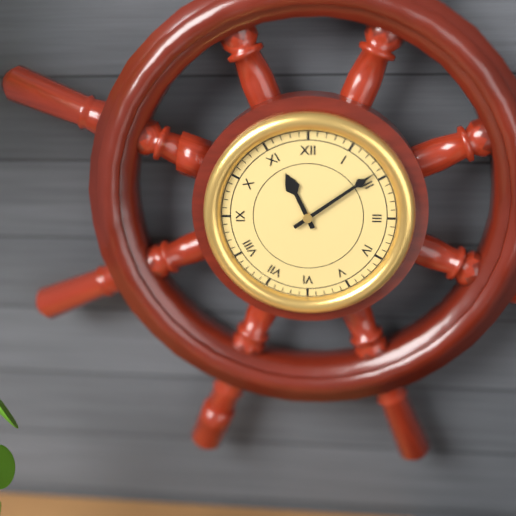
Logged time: {"hour": 11, "minute": 9}
